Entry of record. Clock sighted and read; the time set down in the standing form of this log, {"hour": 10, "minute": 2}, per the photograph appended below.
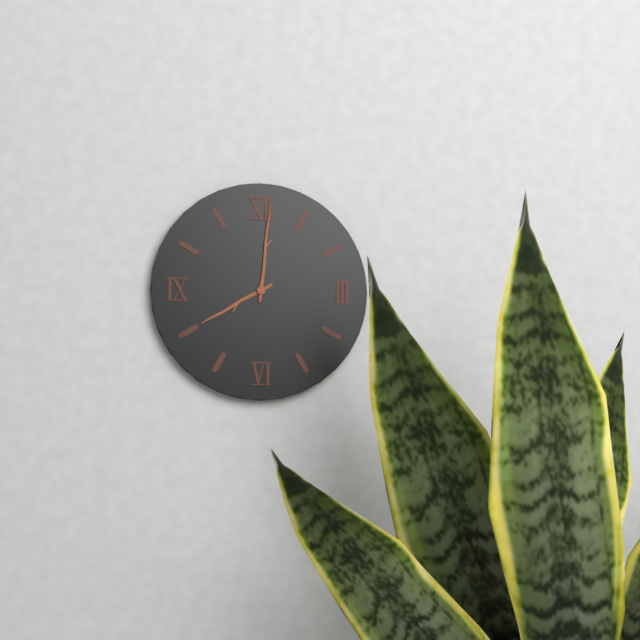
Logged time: {"hour": 8, "minute": 1}
